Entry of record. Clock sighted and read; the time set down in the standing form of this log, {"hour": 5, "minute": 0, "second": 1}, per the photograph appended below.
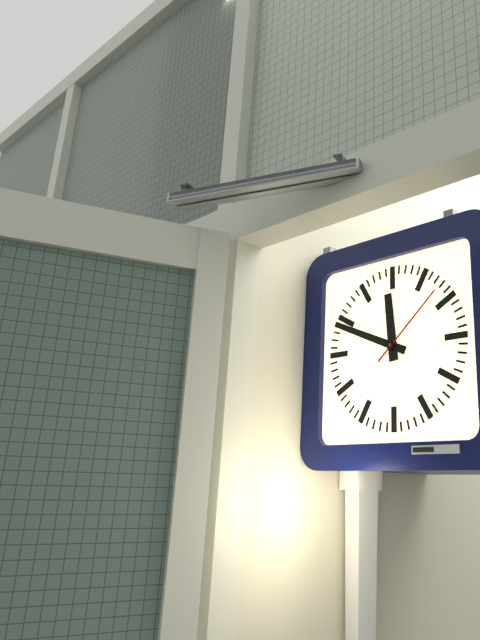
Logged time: {"hour": 11, "minute": 49, "second": 8}
